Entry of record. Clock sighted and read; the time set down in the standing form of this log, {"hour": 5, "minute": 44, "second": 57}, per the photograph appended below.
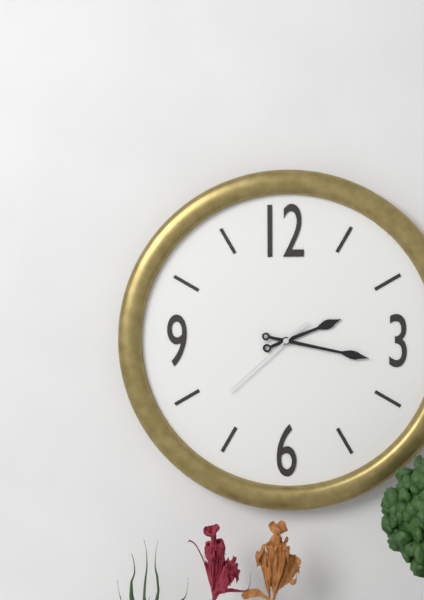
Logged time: {"hour": 2, "minute": 17, "second": 38}
